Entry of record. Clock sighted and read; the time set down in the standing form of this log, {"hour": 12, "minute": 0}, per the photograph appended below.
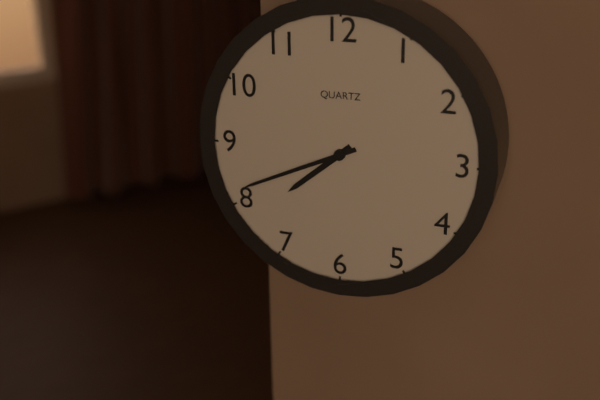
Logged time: {"hour": 7, "minute": 41}
